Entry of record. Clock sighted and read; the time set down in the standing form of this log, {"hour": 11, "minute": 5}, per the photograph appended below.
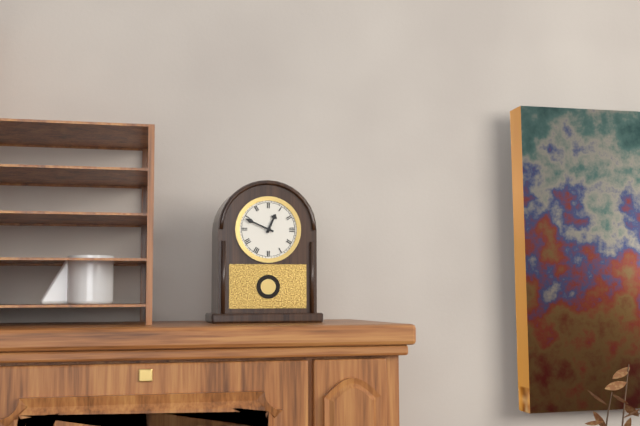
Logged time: {"hour": 12, "minute": 49}
